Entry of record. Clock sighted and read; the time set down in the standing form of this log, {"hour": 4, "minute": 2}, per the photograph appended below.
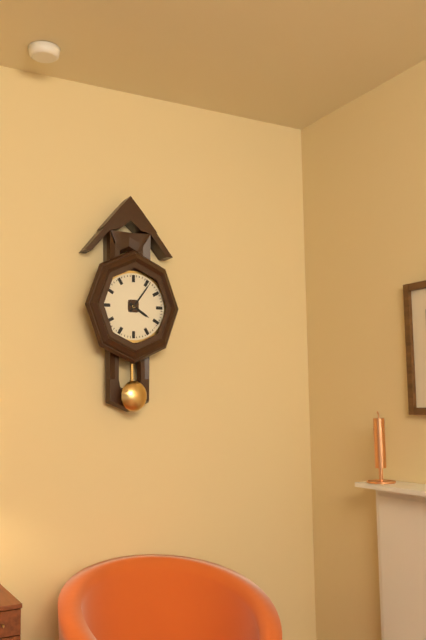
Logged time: {"hour": 4, "minute": 6}
